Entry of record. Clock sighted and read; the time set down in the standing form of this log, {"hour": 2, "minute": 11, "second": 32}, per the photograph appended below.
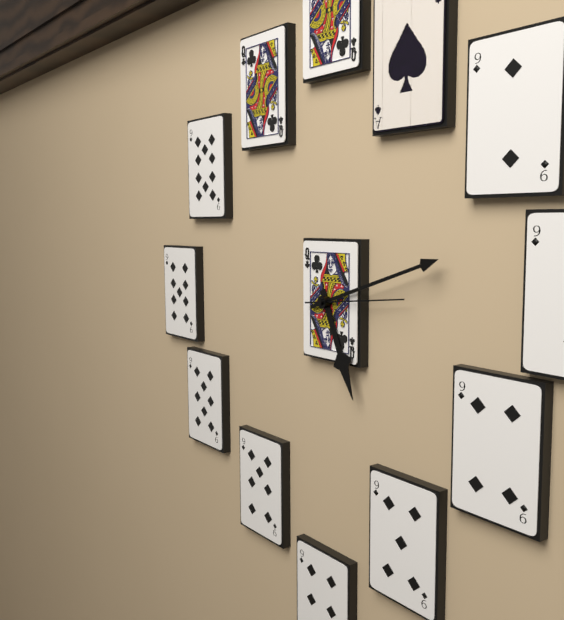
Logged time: {"hour": 5, "minute": 12, "second": 14}
